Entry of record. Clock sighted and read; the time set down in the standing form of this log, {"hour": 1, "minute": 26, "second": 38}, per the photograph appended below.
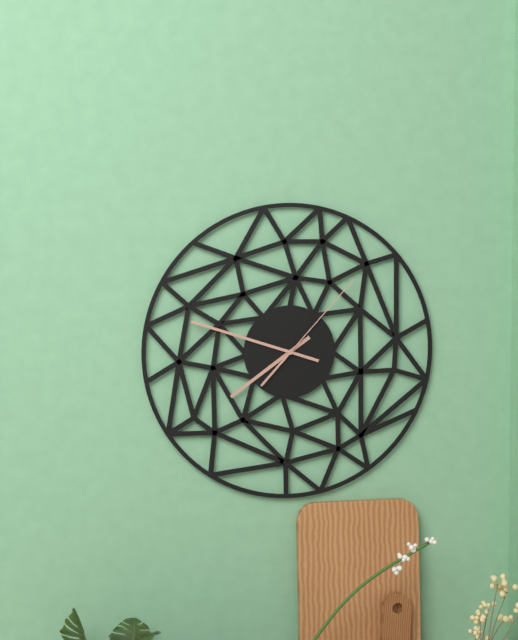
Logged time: {"hour": 7, "minute": 48, "second": 7}
